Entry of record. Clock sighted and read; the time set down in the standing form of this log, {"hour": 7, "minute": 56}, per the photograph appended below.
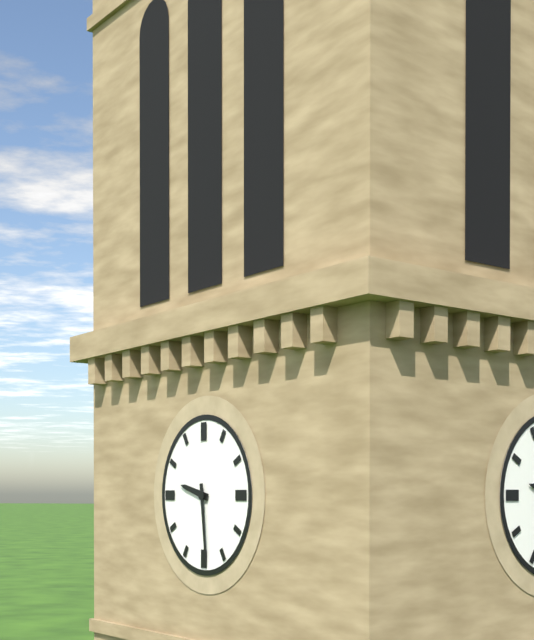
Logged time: {"hour": 9, "minute": 29}
